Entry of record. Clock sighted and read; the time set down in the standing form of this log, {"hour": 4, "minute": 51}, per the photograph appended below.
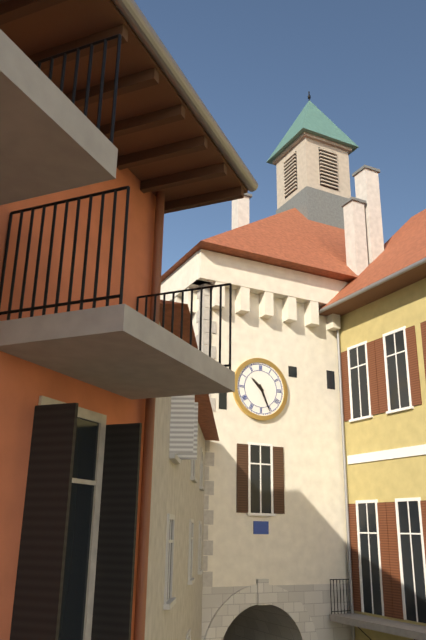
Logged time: {"hour": 10, "minute": 26}
